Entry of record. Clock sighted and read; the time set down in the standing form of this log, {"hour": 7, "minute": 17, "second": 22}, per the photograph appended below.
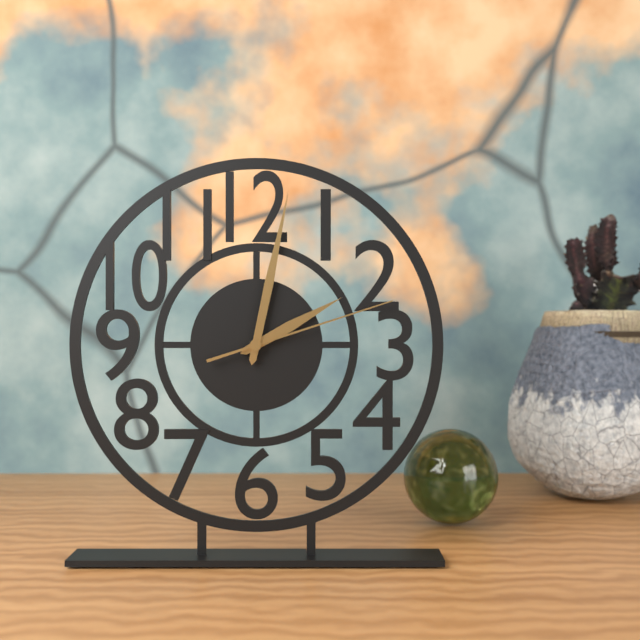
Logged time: {"hour": 2, "minute": 2, "second": 12}
